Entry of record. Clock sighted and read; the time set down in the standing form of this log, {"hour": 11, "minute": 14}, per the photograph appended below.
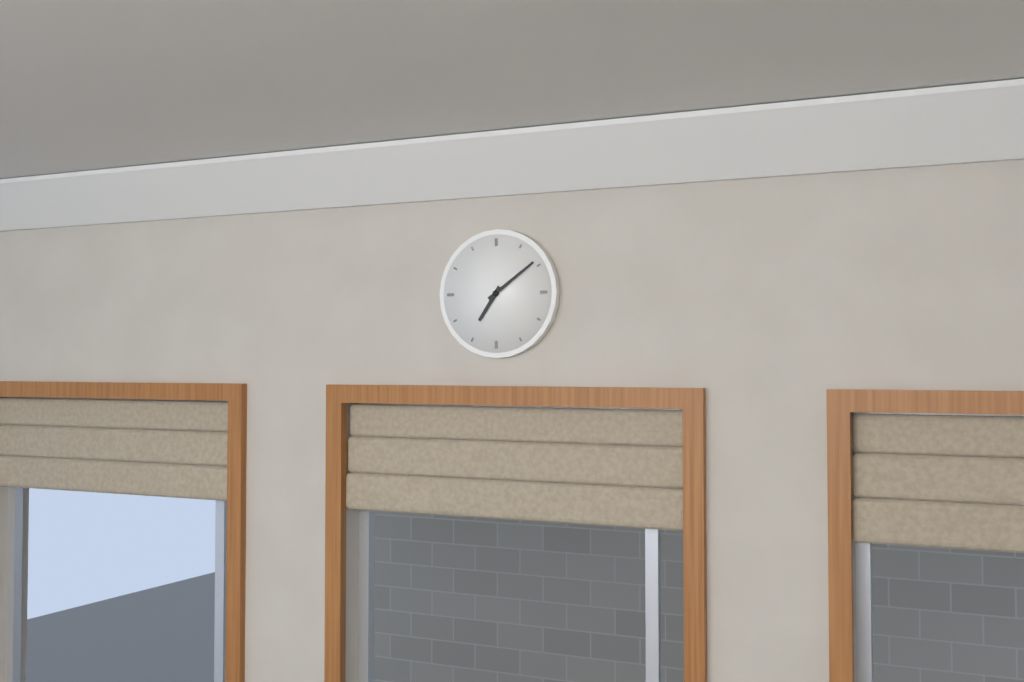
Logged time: {"hour": 7, "minute": 9}
